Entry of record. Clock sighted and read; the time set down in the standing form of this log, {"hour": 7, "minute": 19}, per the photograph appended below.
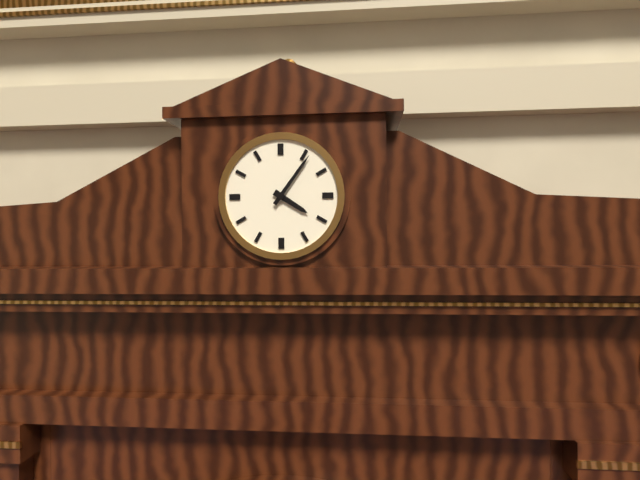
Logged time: {"hour": 4, "minute": 6}
